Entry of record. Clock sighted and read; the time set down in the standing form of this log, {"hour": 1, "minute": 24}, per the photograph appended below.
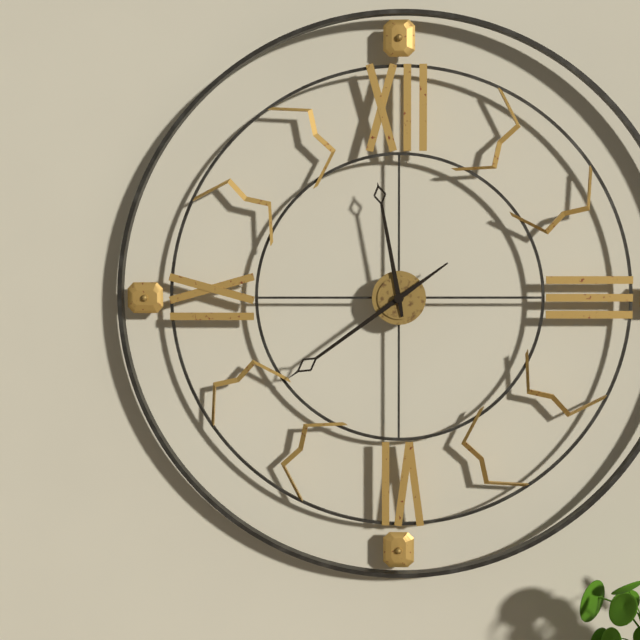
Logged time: {"hour": 11, "minute": 39}
